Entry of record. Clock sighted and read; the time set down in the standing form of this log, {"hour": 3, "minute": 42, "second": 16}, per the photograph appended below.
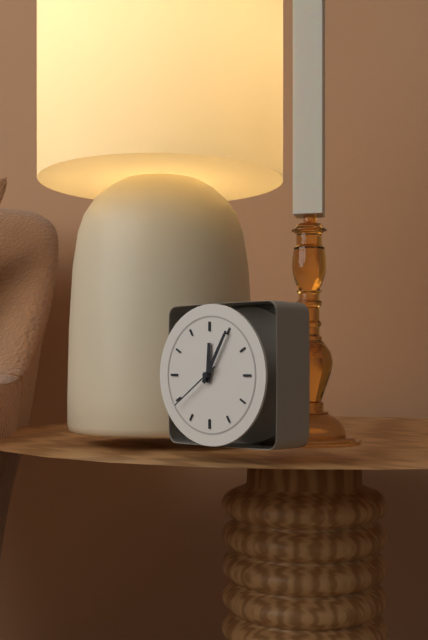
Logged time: {"hour": 12, "minute": 5, "second": 39}
